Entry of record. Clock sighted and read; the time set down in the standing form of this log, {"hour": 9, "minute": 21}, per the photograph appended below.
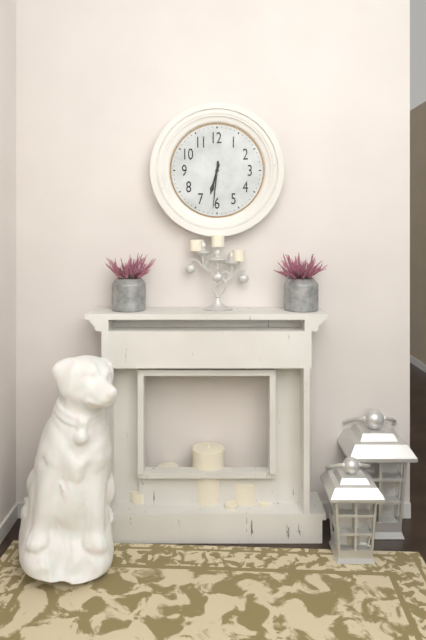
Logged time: {"hour": 6, "minute": 31}
